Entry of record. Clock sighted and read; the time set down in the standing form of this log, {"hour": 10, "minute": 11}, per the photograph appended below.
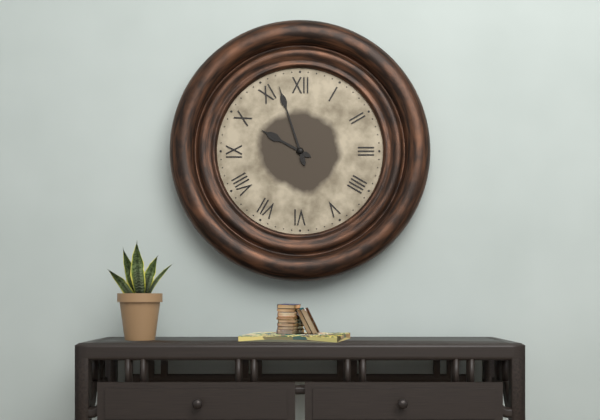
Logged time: {"hour": 9, "minute": 57}
